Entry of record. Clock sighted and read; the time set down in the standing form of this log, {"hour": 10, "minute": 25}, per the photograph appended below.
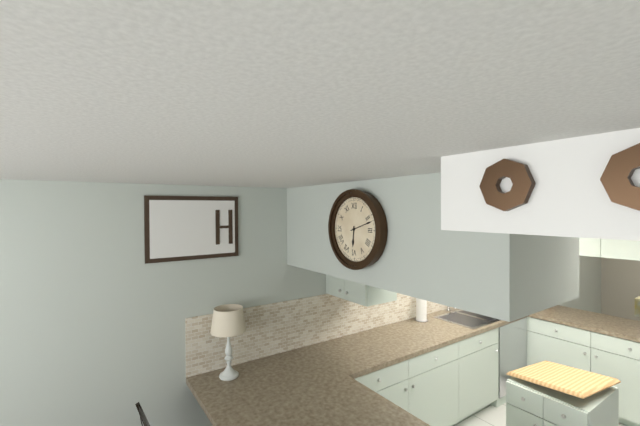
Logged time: {"hour": 6, "minute": 12}
